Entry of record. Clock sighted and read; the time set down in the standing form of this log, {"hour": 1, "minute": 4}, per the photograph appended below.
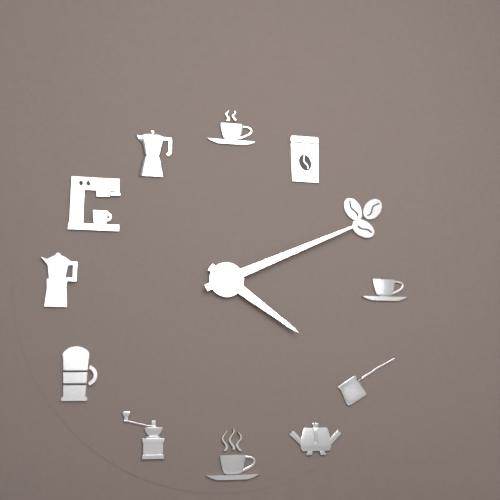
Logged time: {"hour": 4, "minute": 11}
